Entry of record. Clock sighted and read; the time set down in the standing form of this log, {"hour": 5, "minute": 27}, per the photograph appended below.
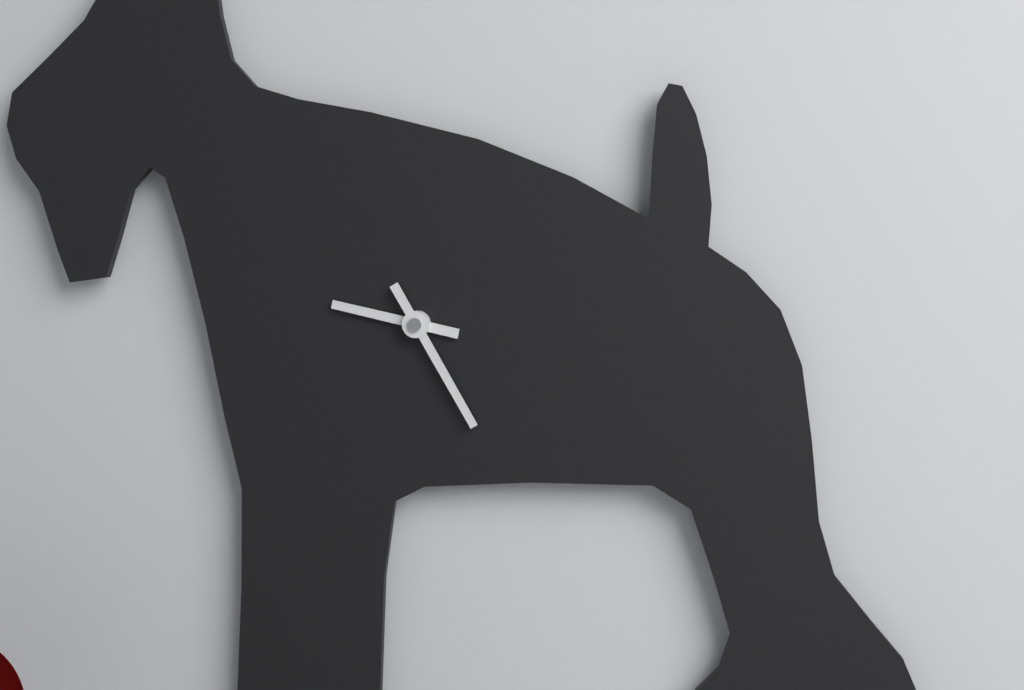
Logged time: {"hour": 9, "minute": 25}
